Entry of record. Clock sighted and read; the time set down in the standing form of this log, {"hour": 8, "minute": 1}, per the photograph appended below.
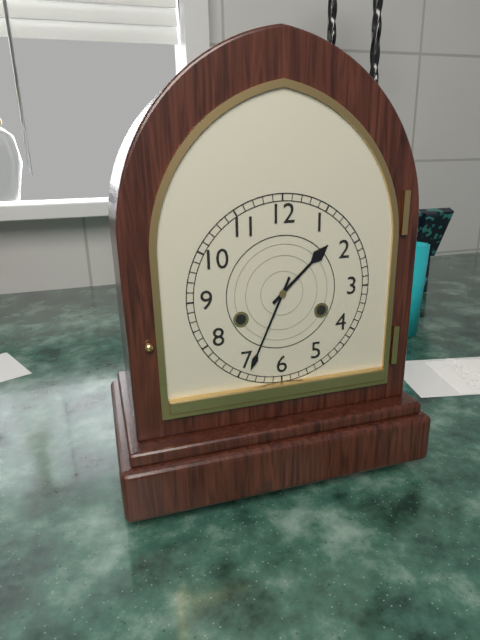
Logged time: {"hour": 1, "minute": 34}
